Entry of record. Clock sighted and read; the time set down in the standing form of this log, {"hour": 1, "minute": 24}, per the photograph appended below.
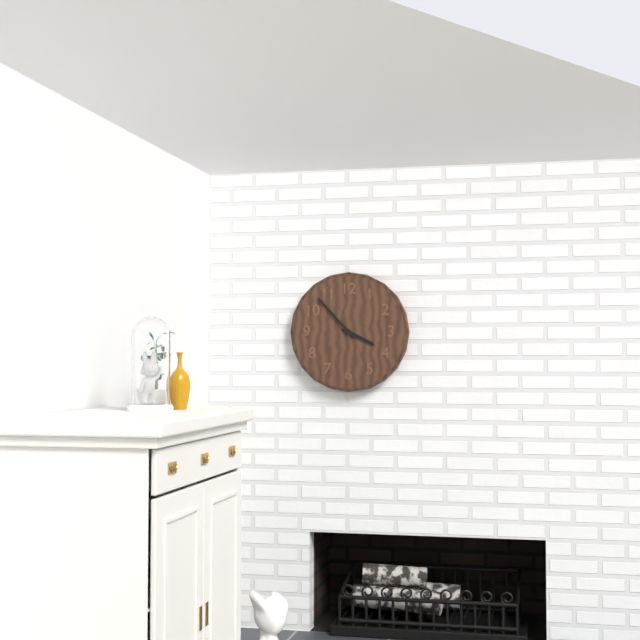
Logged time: {"hour": 3, "minute": 53}
